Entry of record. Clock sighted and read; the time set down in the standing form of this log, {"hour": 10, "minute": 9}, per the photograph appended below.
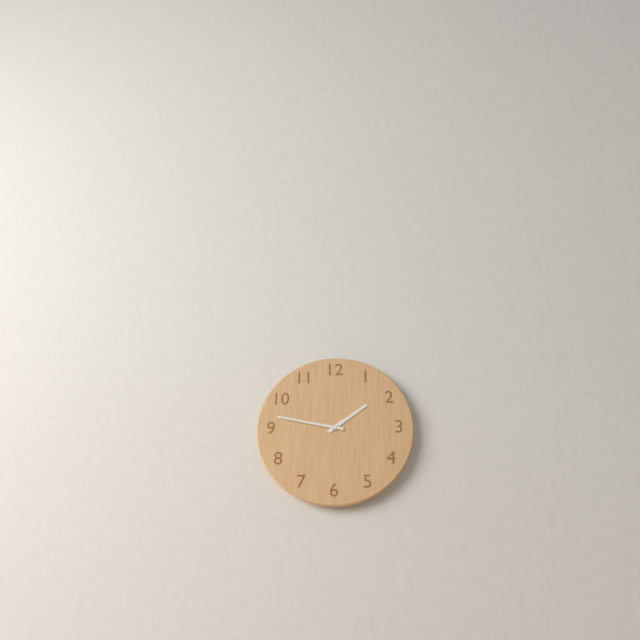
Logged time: {"hour": 1, "minute": 47}
